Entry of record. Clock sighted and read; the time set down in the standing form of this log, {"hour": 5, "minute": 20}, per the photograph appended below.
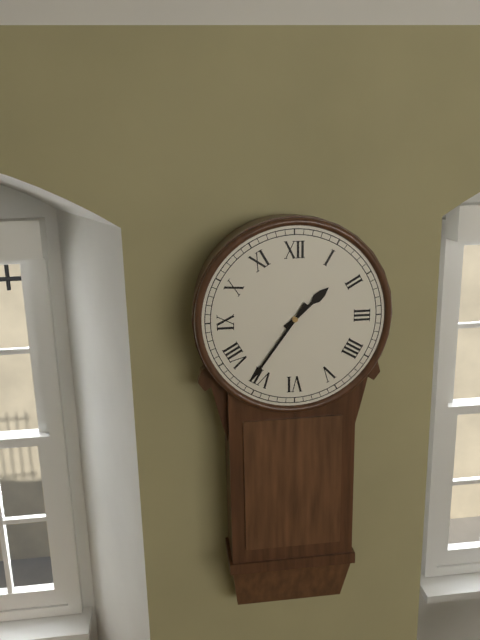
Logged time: {"hour": 1, "minute": 36}
